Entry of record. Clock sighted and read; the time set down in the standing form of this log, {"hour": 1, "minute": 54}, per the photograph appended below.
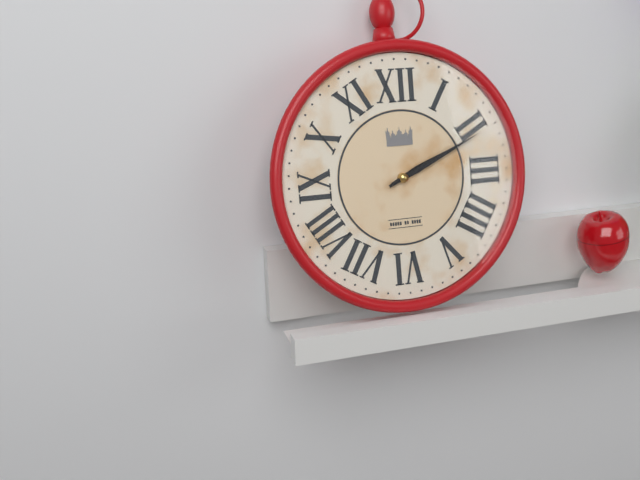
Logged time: {"hour": 2, "minute": 11}
